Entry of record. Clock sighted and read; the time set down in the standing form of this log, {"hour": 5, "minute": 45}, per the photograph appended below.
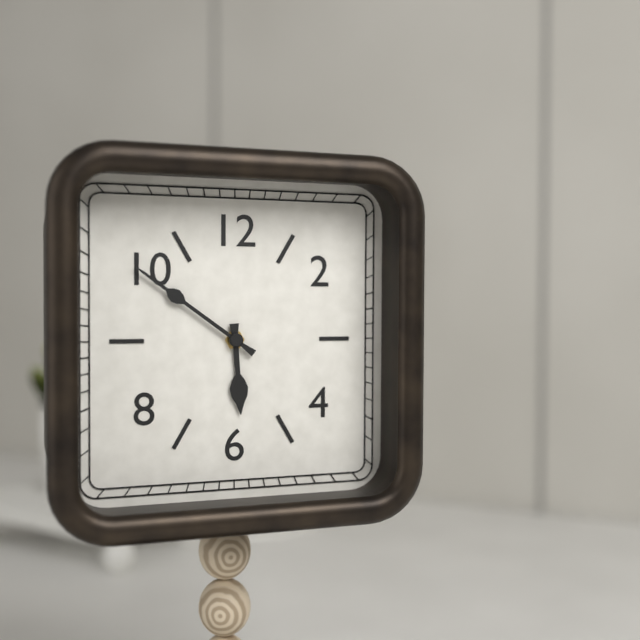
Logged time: {"hour": 5, "minute": 51}
